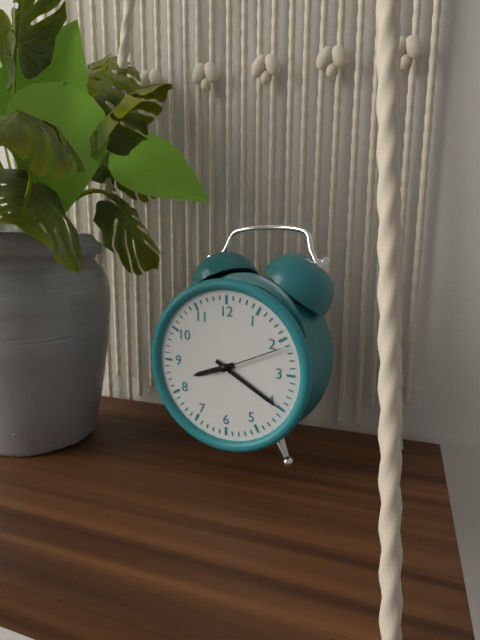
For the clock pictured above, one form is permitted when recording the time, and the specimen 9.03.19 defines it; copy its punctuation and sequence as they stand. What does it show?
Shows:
8.20.11
